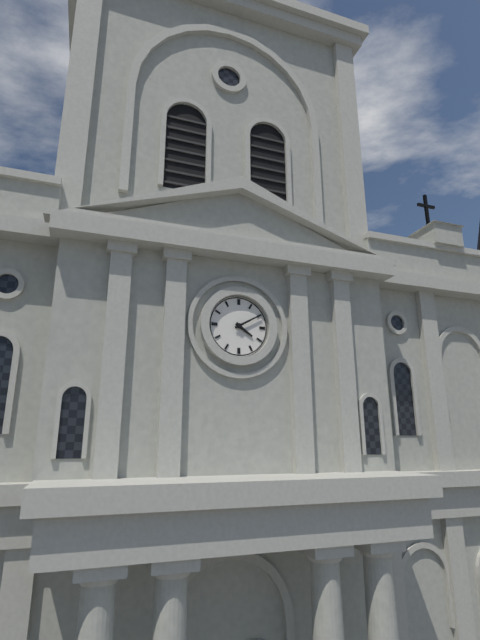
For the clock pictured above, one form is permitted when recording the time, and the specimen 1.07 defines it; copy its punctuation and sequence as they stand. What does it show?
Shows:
4.10
